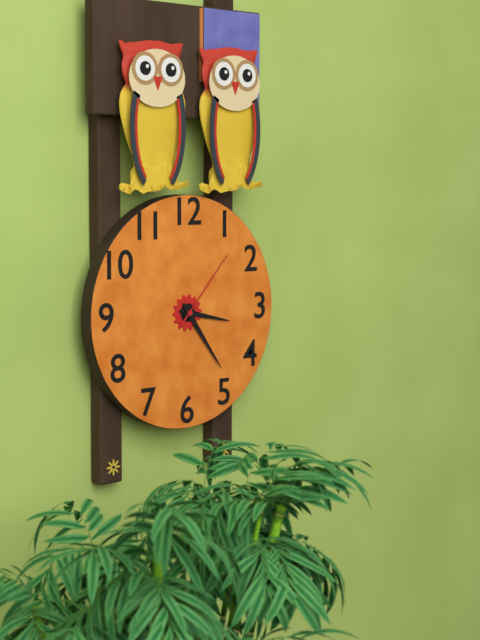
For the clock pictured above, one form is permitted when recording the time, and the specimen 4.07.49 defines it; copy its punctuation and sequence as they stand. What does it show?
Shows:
3.24.07
